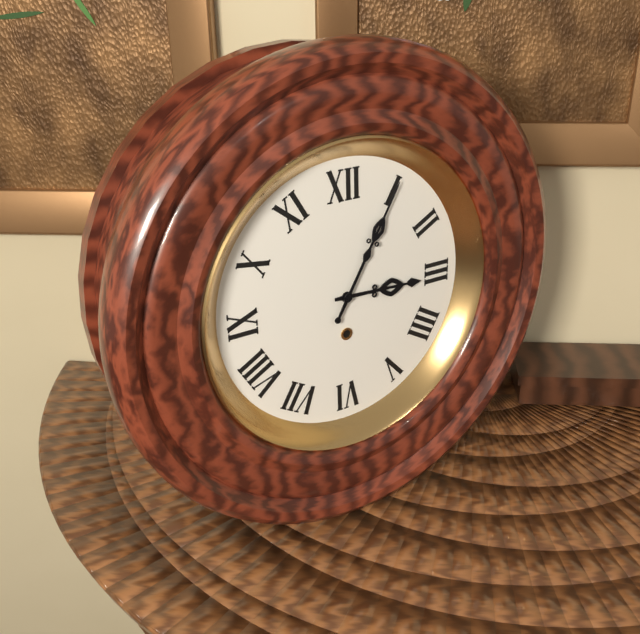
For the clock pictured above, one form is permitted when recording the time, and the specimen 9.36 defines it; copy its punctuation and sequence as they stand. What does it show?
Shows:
3.05
